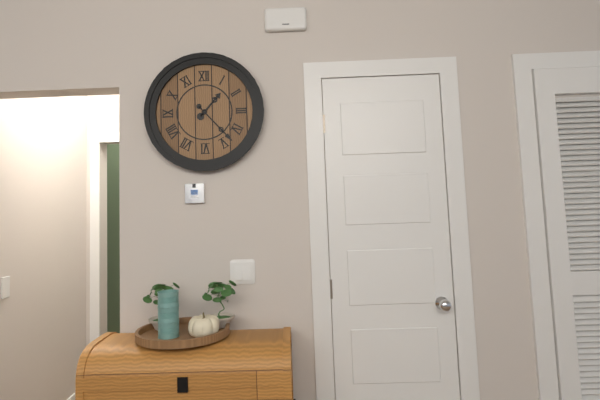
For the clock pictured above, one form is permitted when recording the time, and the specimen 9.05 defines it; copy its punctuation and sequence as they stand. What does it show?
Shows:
1.23
